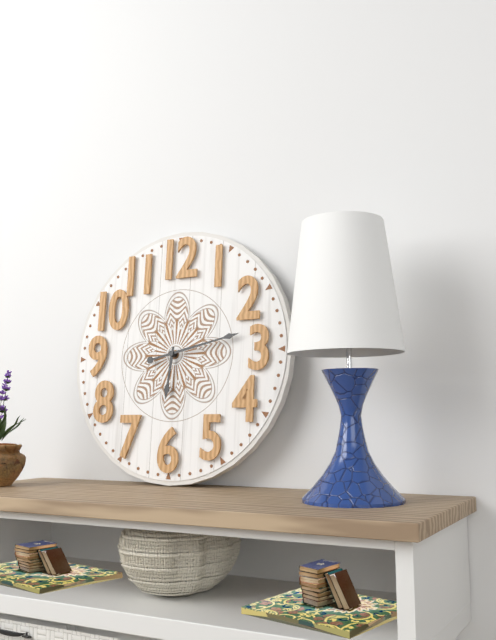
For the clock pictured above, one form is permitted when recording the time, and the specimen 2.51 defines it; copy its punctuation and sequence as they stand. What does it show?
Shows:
6.13
